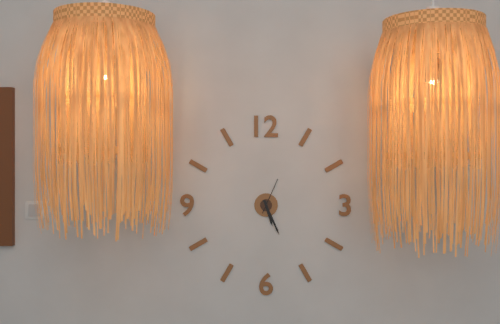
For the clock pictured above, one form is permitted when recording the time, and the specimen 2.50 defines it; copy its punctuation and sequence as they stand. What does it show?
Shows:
5.26
